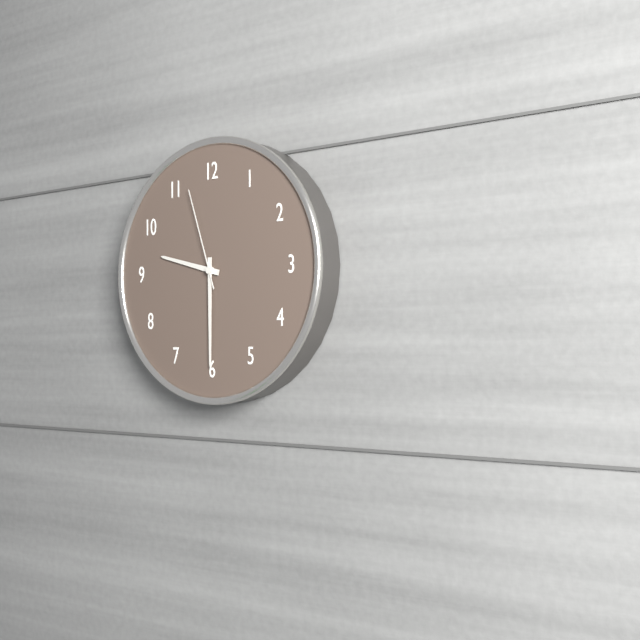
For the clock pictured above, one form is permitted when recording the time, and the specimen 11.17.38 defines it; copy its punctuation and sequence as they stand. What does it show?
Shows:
9.30.57
